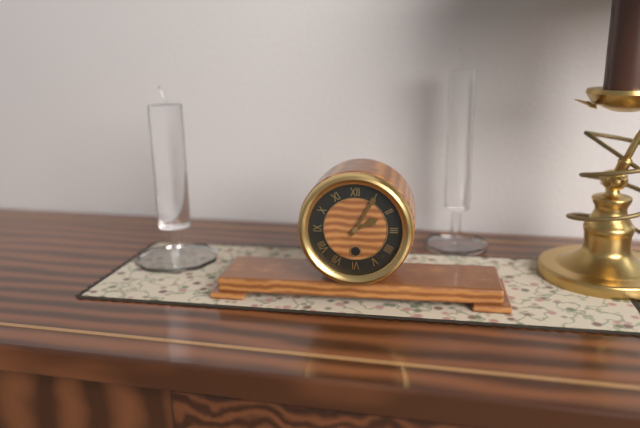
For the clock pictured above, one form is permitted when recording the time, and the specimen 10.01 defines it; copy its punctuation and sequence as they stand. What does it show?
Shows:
2.05
